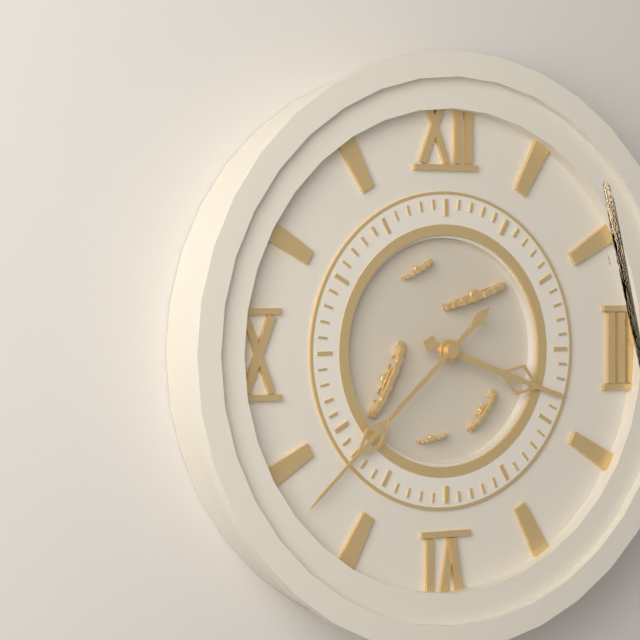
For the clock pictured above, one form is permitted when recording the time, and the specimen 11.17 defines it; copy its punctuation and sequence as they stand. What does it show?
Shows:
3.38
